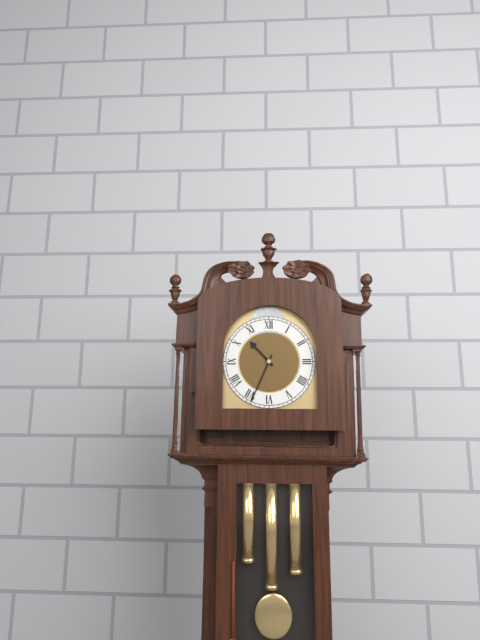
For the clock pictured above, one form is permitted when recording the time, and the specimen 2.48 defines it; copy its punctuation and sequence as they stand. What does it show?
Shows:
10.34
